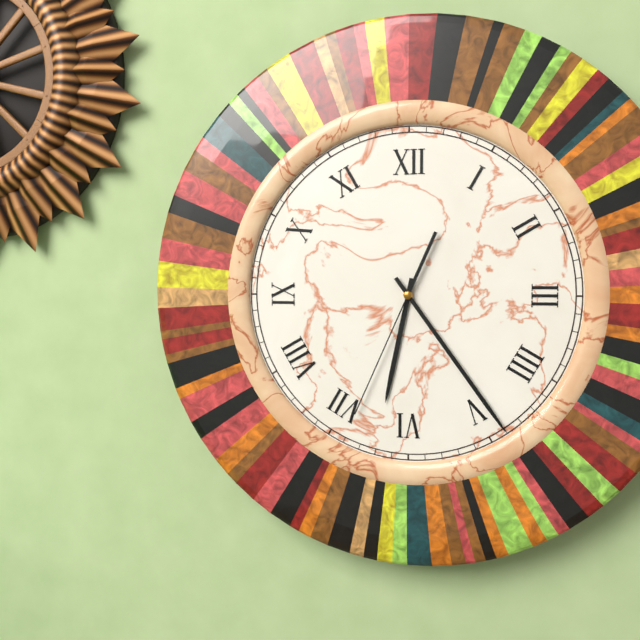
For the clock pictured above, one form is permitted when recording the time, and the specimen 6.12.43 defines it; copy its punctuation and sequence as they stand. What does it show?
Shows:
6.24.34
